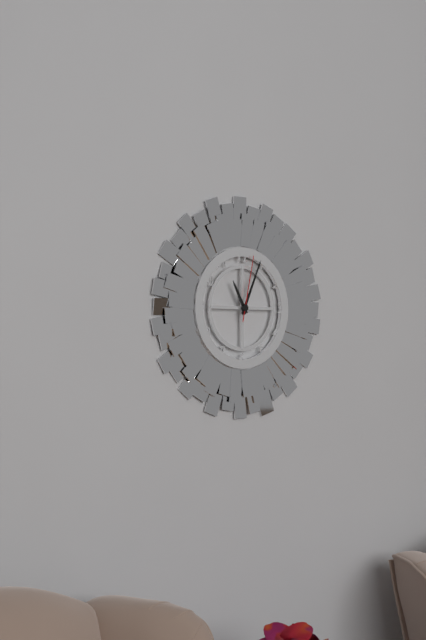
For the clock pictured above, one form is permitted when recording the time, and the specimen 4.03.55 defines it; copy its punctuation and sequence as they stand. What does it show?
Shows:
11.04.02
